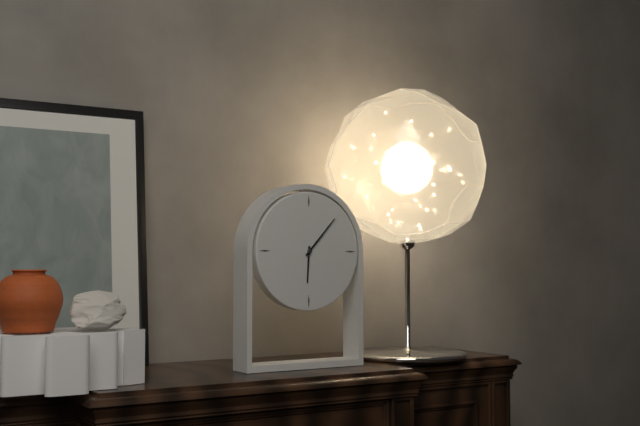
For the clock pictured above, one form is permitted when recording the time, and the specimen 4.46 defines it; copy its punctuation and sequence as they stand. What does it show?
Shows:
6.07
